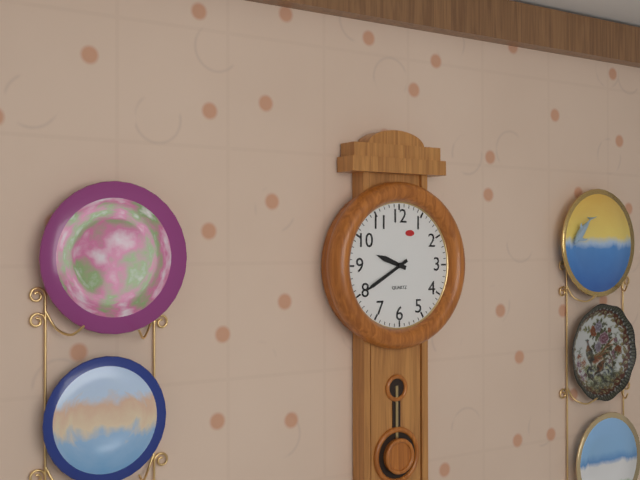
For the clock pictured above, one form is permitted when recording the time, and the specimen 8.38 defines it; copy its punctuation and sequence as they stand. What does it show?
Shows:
9.40
